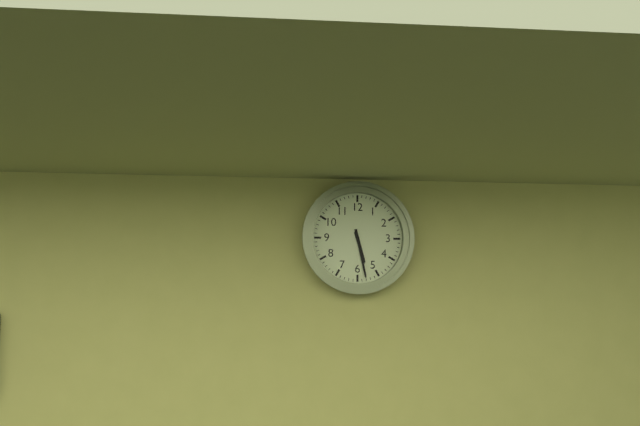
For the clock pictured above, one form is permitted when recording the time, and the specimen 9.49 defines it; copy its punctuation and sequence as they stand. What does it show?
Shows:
5.28
